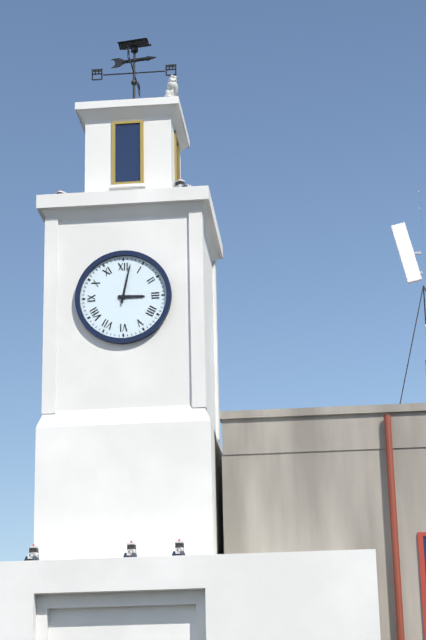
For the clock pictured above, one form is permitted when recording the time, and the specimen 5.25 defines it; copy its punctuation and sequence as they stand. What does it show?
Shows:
3.02
